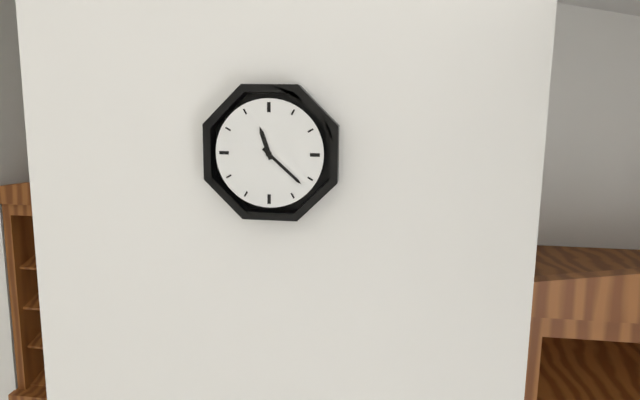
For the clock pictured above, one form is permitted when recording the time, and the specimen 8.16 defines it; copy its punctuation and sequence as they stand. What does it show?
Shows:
11.22
